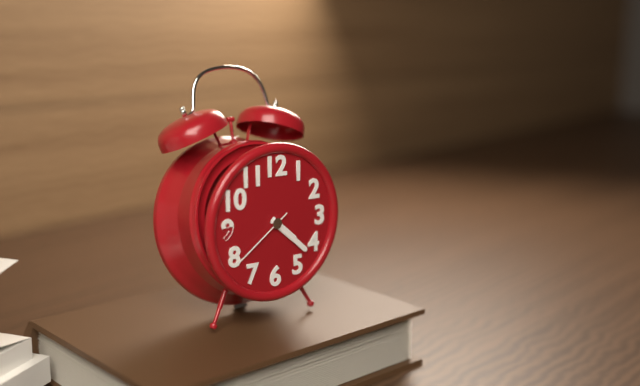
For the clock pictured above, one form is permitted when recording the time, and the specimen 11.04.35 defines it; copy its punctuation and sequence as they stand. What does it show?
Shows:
4.22.39
